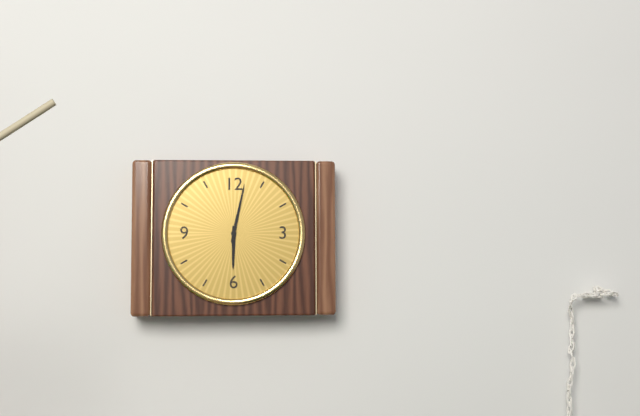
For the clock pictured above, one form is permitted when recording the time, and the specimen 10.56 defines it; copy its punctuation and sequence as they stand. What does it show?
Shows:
6.02
